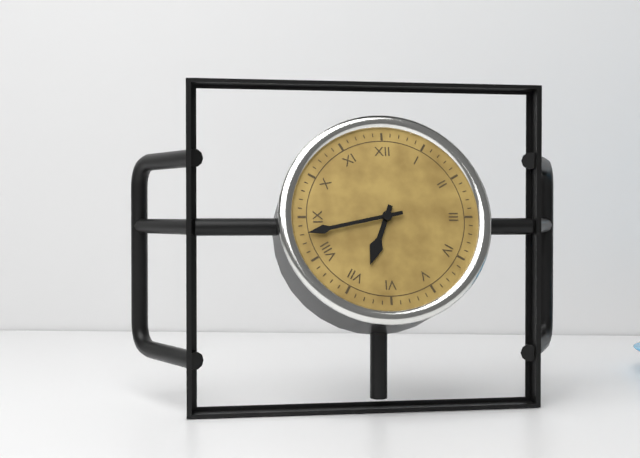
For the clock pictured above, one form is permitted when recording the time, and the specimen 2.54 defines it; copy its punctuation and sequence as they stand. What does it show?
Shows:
6.43
